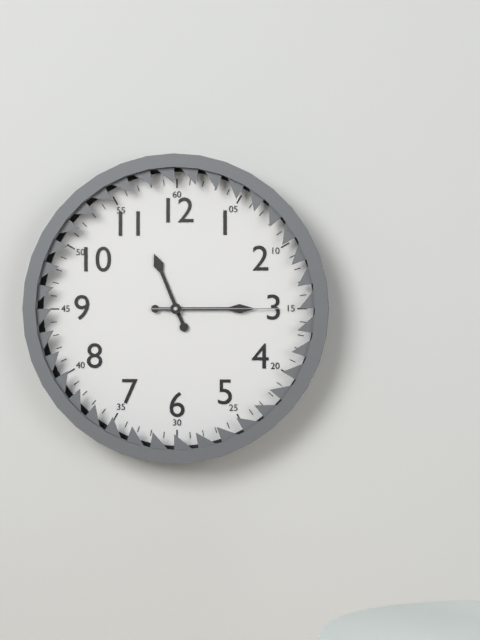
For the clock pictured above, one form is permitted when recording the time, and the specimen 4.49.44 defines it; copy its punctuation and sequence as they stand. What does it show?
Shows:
11.15.15
